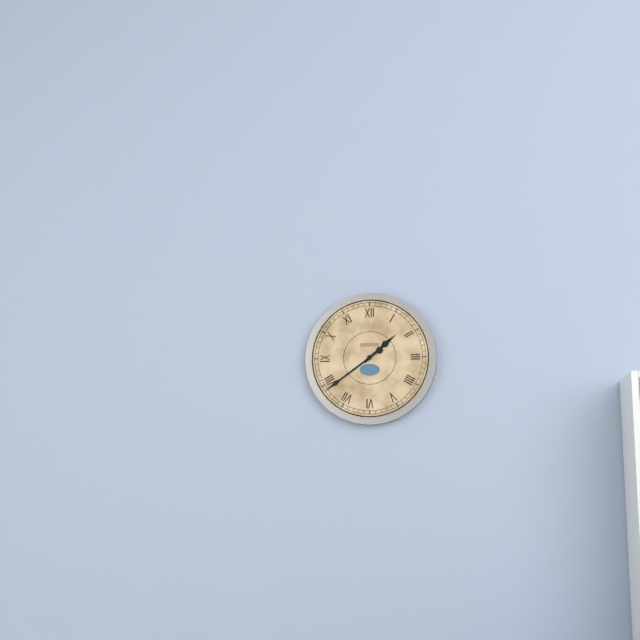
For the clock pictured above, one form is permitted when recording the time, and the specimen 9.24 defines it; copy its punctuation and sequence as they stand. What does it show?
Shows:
1.39
